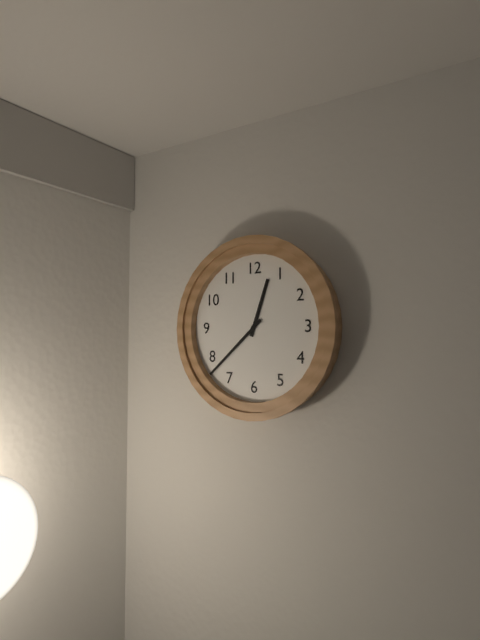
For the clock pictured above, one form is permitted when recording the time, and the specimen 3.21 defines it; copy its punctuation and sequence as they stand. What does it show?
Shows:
12.38
